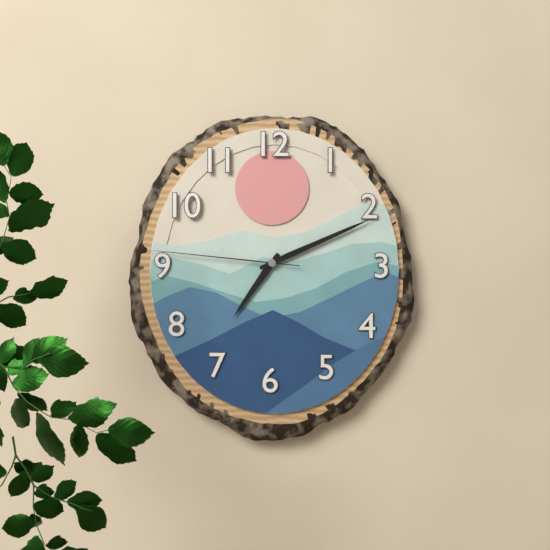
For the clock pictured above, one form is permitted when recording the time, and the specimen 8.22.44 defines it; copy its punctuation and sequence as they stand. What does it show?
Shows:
7.11.46
